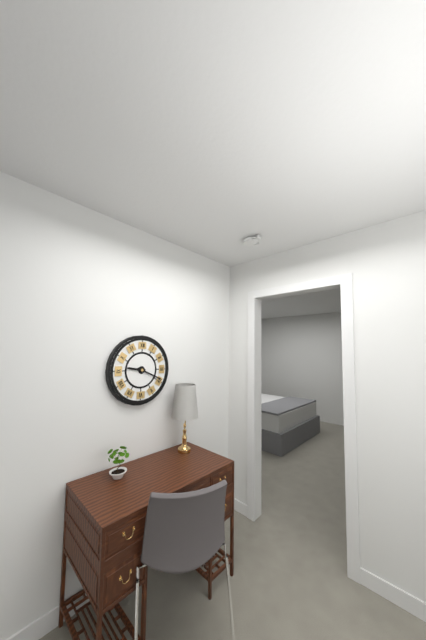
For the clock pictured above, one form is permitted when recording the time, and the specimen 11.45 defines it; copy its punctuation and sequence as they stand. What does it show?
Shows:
9.19
